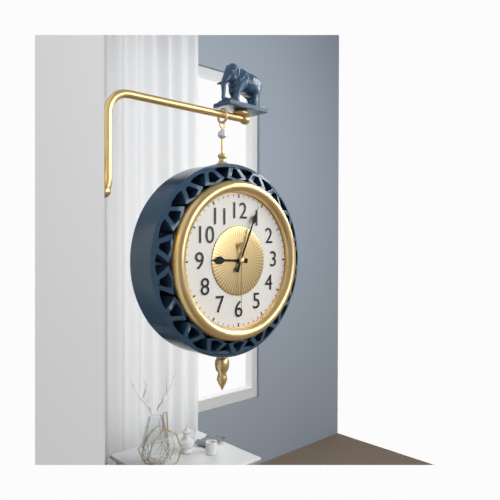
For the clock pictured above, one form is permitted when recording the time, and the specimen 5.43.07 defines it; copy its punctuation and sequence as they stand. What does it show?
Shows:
9.04.30
